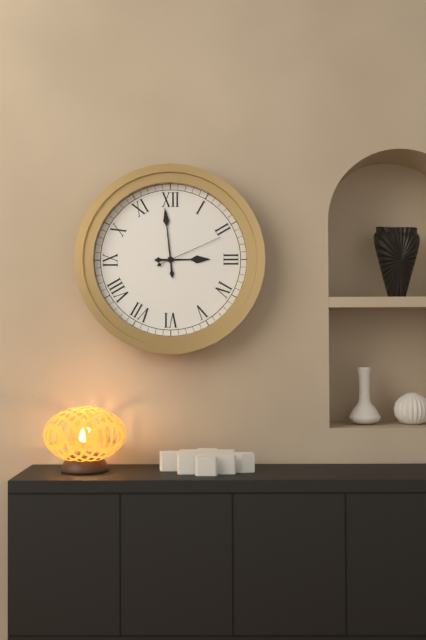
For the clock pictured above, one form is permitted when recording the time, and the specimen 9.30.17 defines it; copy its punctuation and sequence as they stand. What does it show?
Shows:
2.59.11
